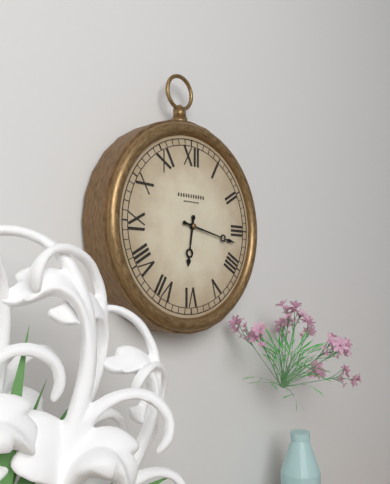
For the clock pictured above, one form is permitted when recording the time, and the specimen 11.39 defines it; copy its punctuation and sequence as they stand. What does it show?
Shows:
6.17
